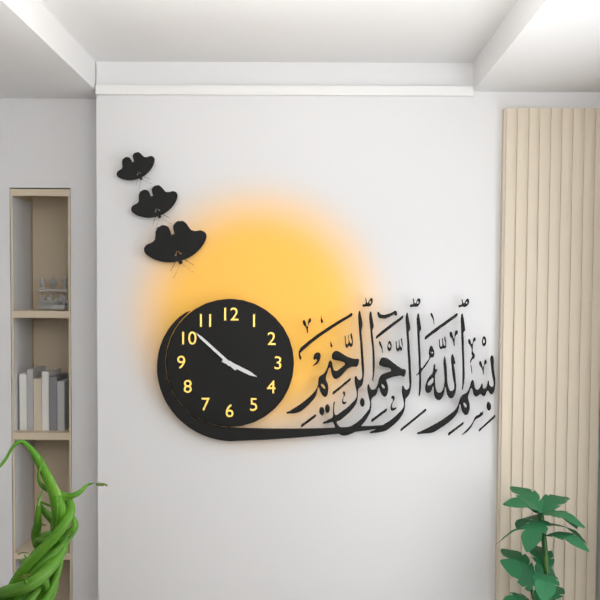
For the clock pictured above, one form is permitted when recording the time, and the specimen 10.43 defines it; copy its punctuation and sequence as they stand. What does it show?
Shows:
3.52
